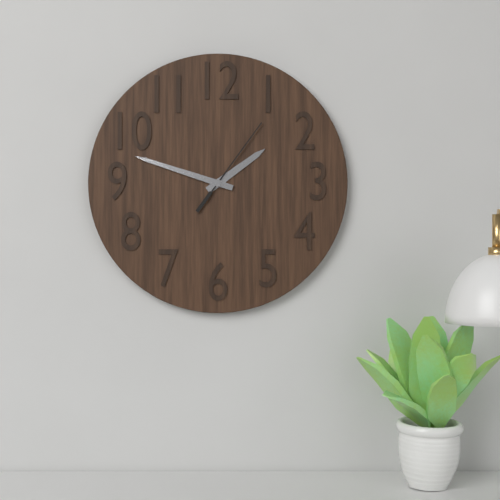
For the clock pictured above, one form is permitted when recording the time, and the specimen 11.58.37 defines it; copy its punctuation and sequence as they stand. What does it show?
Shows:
1.48.06
